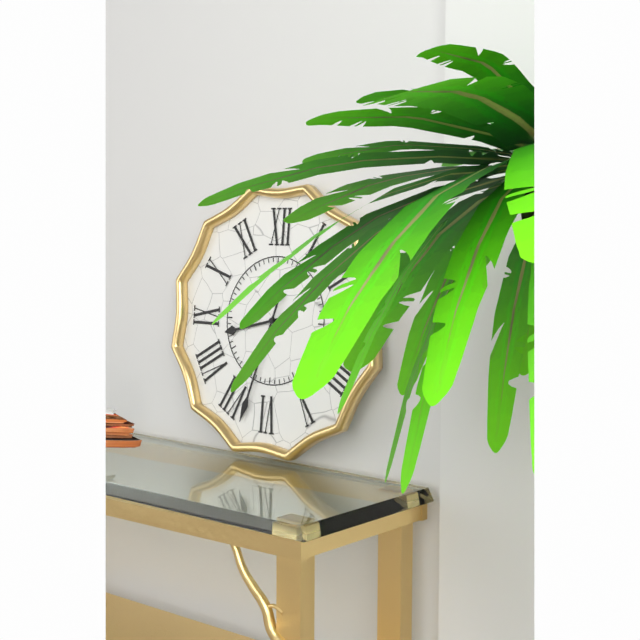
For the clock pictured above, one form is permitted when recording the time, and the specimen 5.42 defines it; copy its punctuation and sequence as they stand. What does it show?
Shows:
8.33
